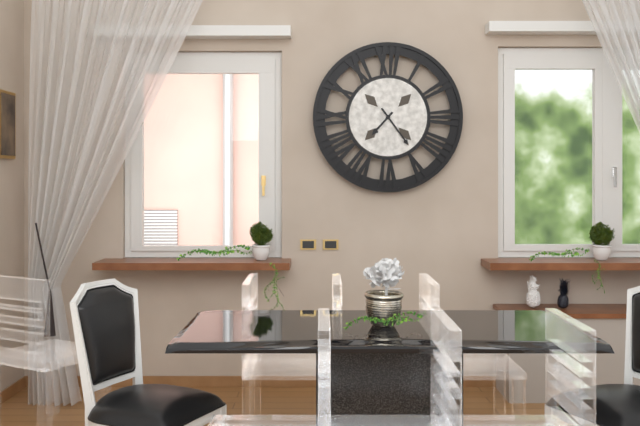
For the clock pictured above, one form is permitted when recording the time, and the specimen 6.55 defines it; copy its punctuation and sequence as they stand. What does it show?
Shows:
7.24
